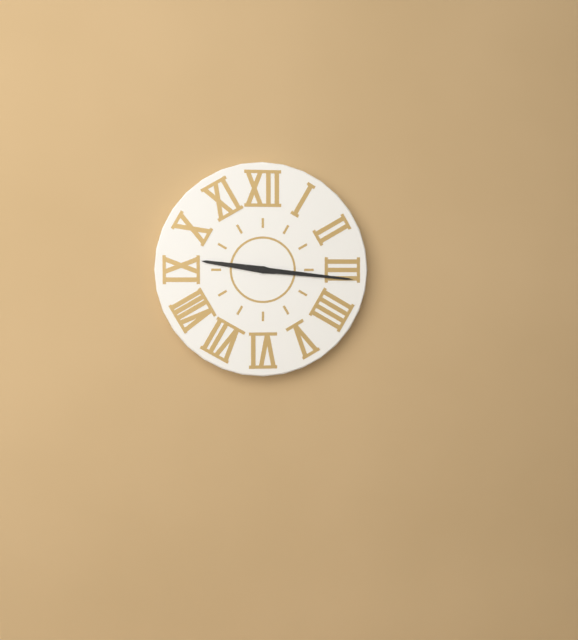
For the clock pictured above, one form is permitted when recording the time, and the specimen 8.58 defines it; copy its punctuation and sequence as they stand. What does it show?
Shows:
9.16
